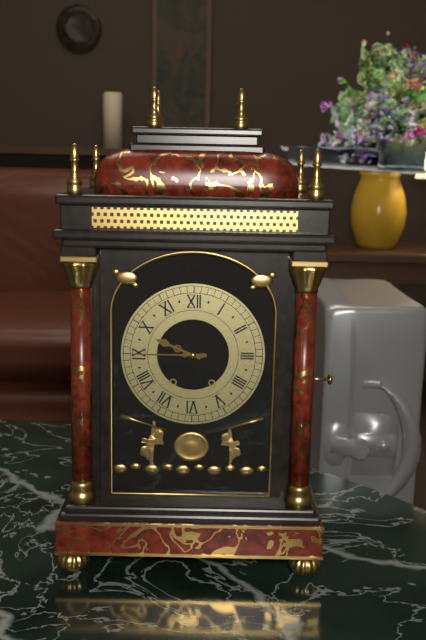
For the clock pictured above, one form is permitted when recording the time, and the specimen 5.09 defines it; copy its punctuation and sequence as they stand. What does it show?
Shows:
9.45
